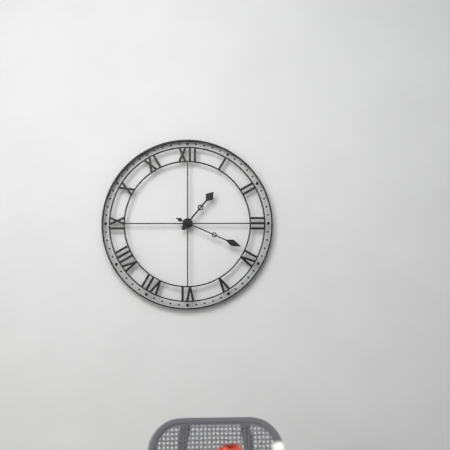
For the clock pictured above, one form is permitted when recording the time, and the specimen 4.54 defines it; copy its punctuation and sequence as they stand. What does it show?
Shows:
1.19
